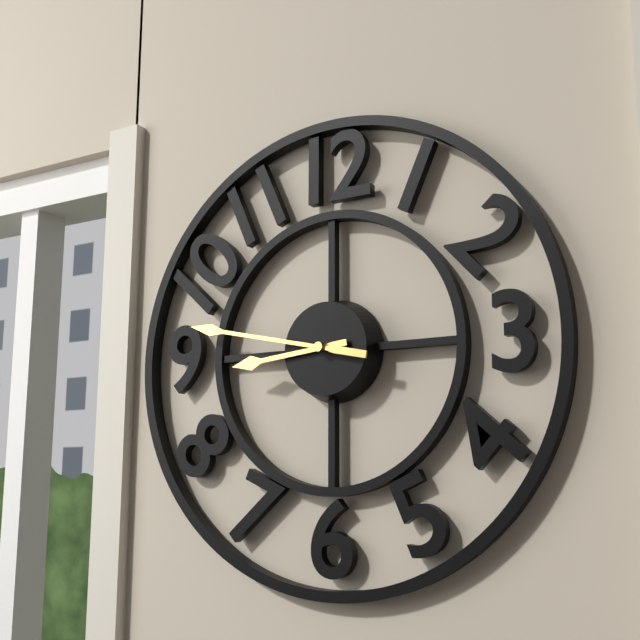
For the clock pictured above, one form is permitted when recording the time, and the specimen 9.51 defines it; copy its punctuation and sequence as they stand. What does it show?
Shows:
8.47
